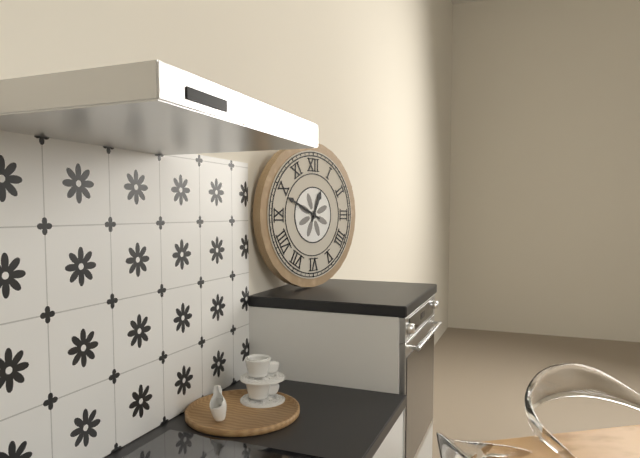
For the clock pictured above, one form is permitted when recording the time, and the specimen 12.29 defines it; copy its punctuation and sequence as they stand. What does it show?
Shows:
12.49
